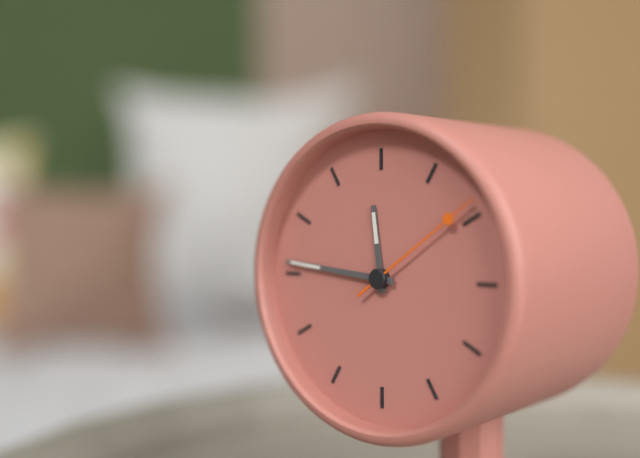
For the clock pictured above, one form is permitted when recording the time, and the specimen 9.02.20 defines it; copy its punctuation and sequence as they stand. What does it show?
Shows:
11.46.09
